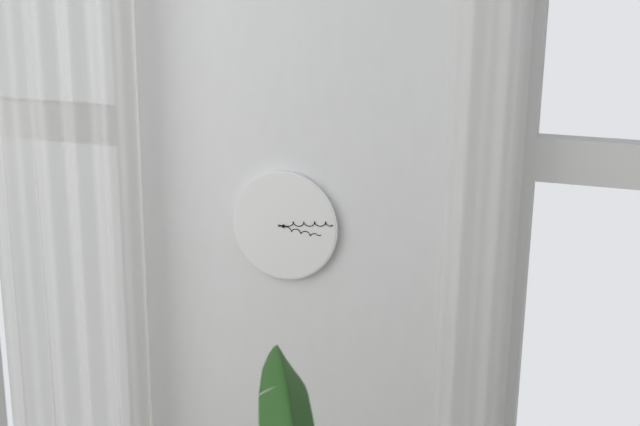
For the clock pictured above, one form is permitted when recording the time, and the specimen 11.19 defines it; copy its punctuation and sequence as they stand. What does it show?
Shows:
3.14
